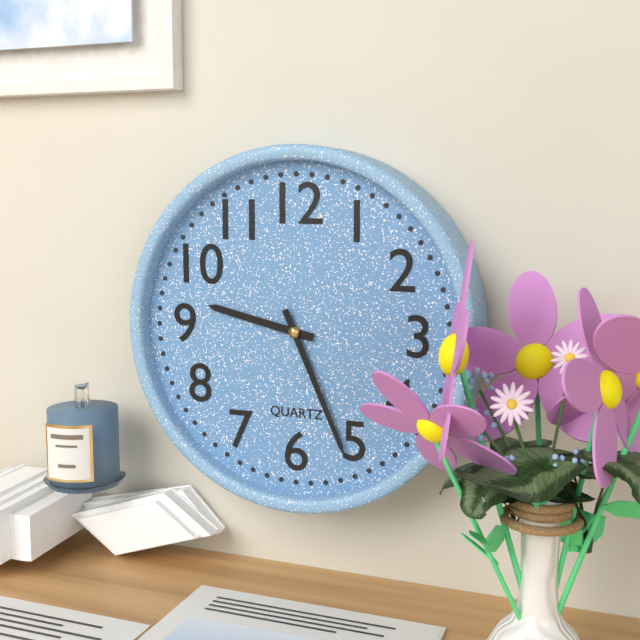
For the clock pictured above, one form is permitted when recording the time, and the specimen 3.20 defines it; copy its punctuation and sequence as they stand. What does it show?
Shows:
9.26
